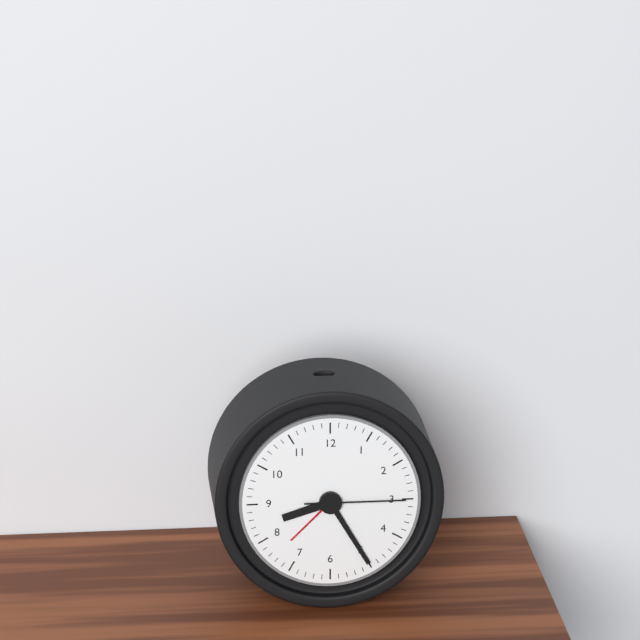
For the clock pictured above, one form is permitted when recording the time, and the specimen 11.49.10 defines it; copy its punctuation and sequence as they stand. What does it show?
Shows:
8.25.15
